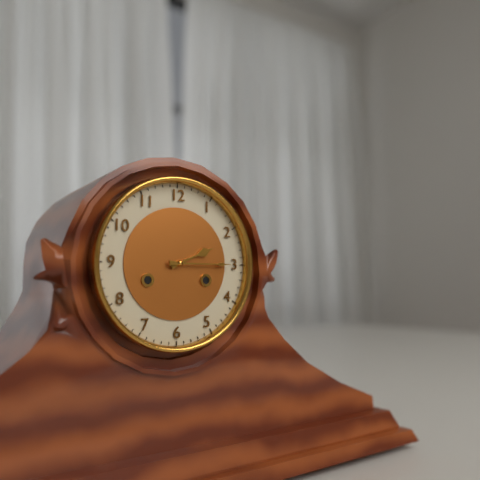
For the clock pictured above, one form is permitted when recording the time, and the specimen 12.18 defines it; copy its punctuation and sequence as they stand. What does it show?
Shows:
2.15
